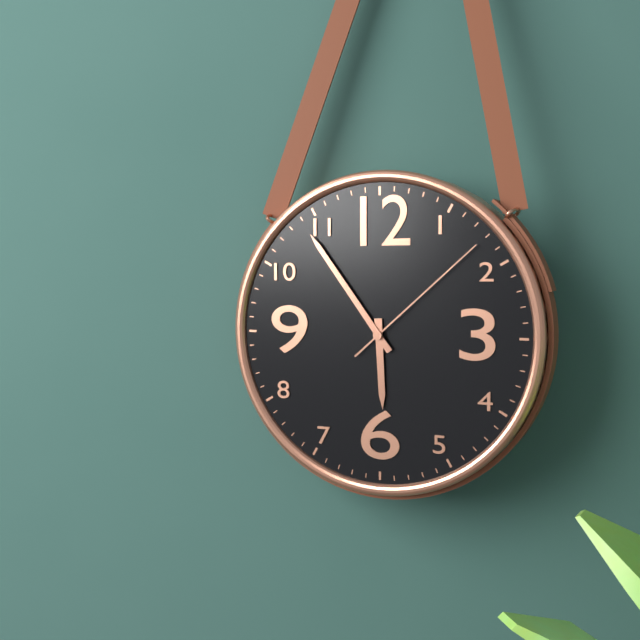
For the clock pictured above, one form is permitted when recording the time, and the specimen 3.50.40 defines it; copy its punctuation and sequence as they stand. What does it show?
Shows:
5.54.08
